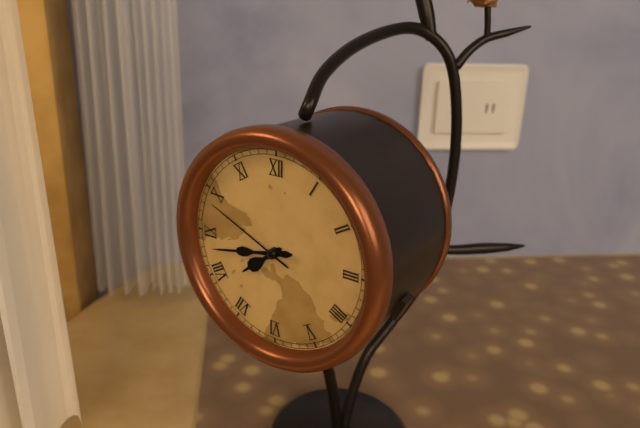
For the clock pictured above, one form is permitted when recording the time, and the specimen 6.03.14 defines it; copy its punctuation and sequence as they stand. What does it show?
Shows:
7.43.49
